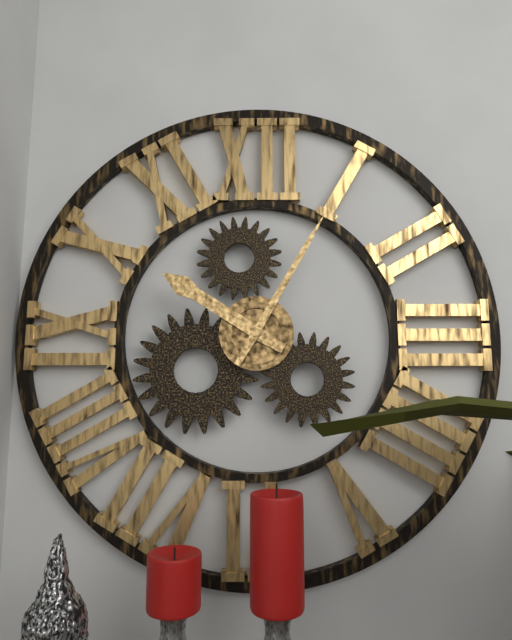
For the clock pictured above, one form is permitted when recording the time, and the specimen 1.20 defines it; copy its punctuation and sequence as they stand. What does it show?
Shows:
10.05
